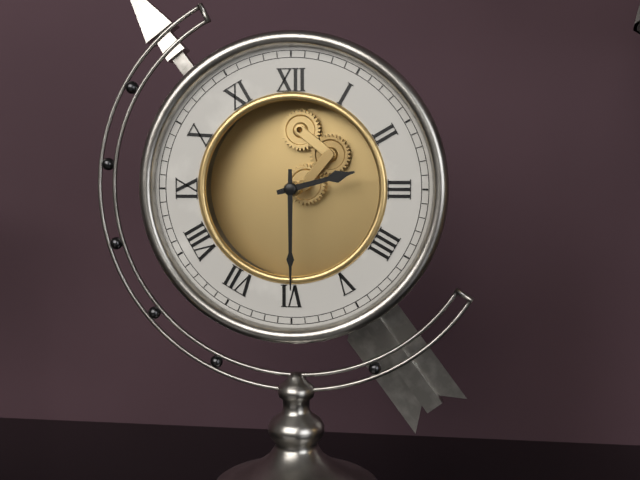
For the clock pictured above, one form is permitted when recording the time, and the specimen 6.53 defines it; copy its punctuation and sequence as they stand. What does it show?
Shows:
2.30
